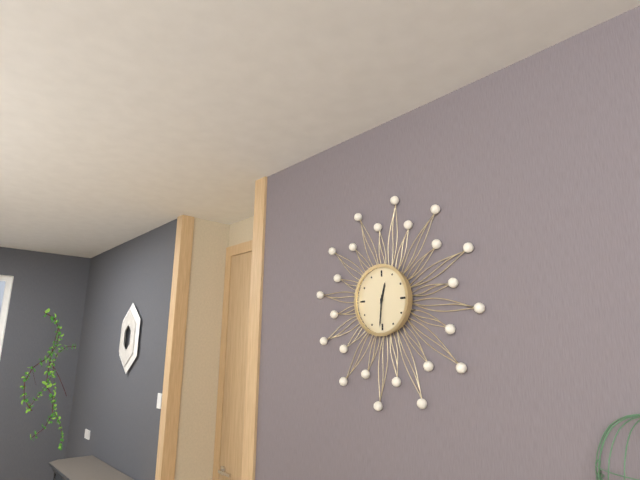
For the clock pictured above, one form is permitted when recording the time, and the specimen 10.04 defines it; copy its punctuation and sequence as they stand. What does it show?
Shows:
12.31
